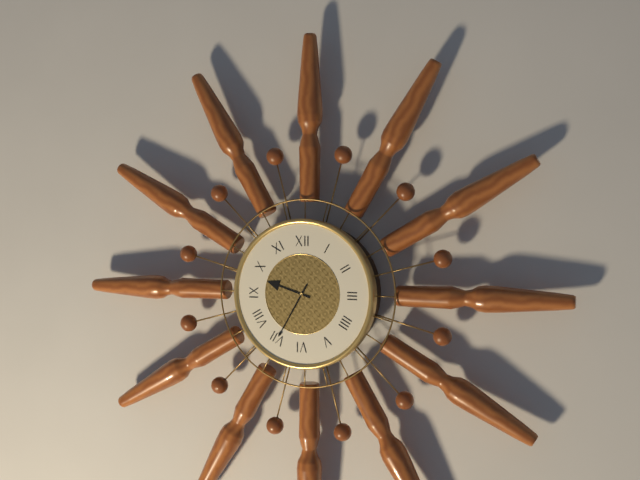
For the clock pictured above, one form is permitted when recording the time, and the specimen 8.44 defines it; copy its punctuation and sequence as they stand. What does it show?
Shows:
9.35
